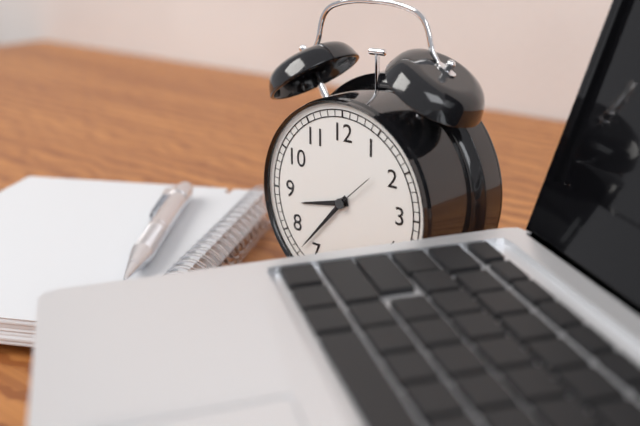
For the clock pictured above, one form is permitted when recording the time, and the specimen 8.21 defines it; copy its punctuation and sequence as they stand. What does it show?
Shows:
8.37
